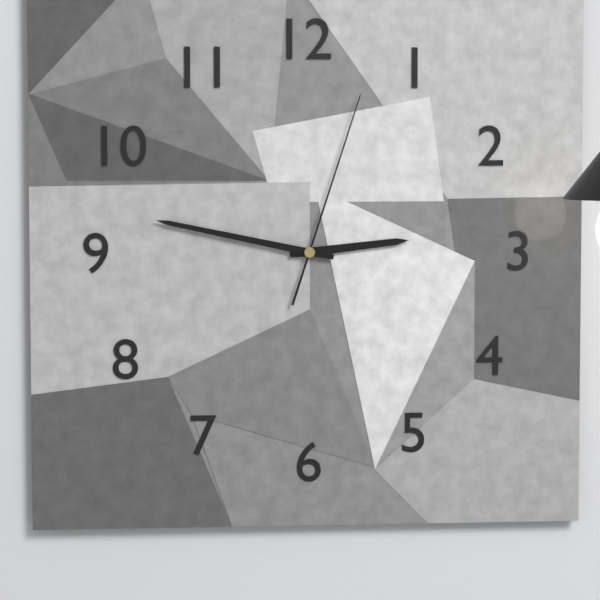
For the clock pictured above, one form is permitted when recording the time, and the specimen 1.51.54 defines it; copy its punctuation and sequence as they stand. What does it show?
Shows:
2.47.03
